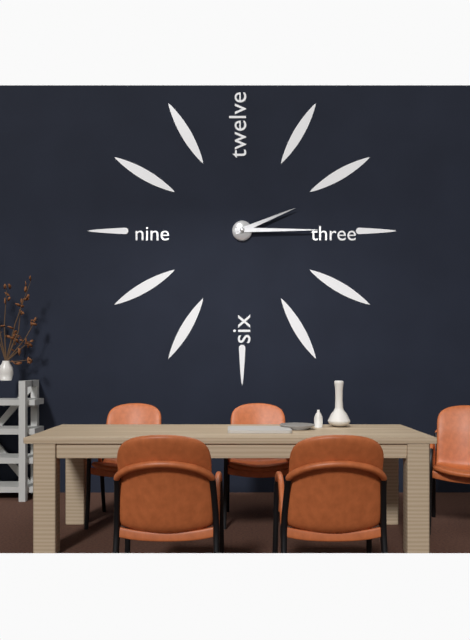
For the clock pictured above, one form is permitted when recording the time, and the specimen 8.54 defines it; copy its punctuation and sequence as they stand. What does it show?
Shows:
2.15
